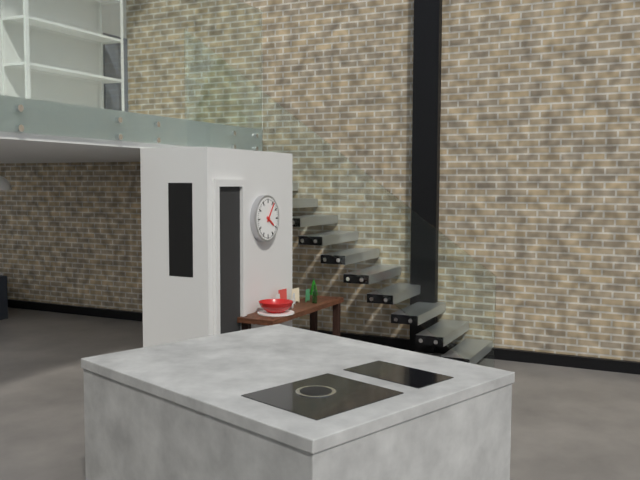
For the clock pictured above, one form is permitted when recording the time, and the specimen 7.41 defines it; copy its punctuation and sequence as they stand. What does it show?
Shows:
4.06
